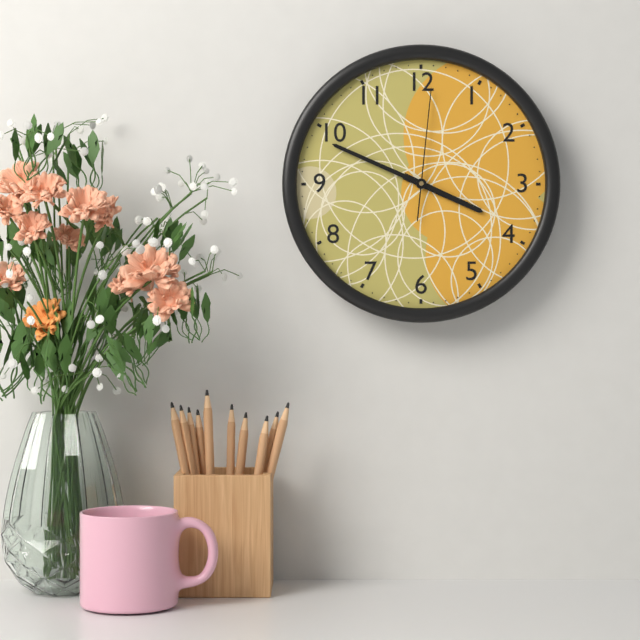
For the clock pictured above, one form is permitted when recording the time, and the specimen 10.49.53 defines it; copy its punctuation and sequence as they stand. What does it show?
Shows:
3.49.01
